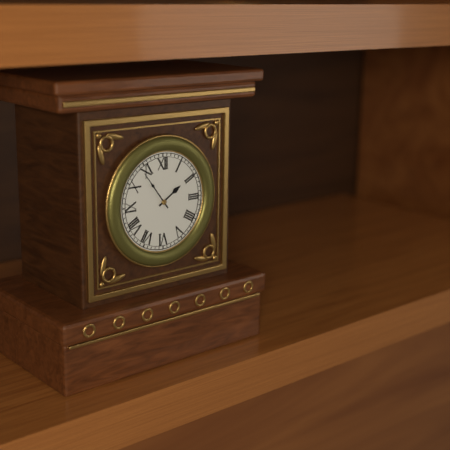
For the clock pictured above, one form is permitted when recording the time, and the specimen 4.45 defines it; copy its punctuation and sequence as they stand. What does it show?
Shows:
1.54
